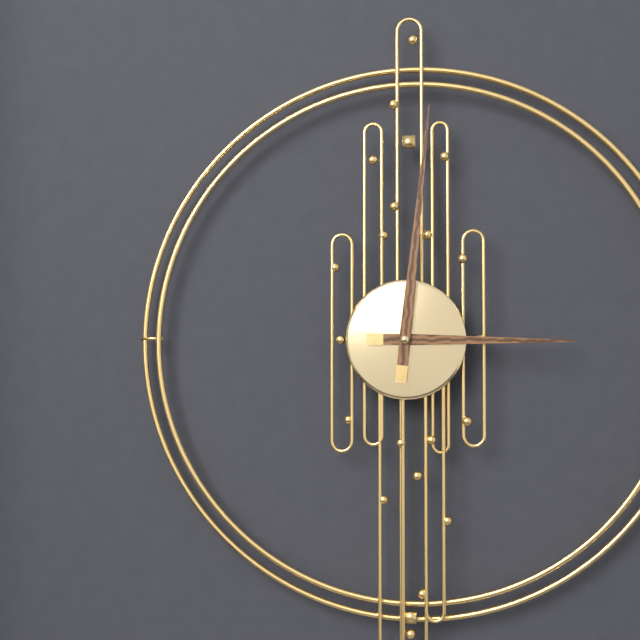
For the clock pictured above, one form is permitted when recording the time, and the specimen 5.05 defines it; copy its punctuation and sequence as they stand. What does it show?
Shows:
3.01
